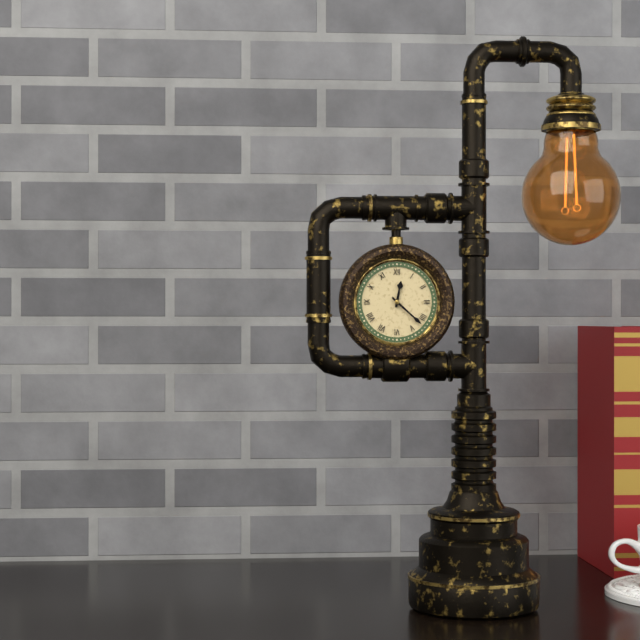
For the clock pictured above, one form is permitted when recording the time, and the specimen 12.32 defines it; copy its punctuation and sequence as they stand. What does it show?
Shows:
12.22
